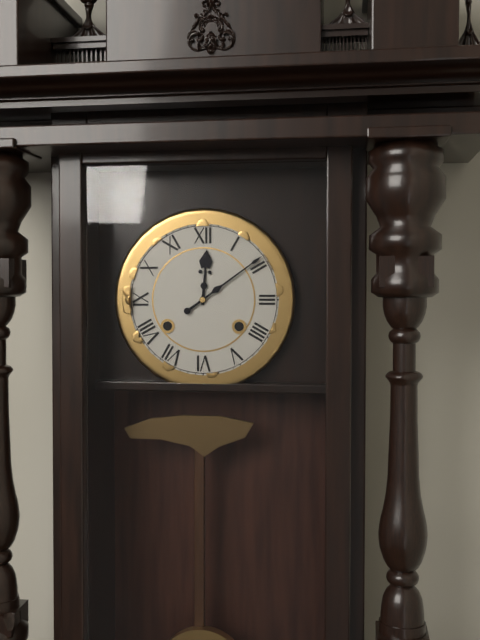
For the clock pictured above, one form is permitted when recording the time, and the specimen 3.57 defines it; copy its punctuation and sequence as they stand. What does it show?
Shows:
12.09
